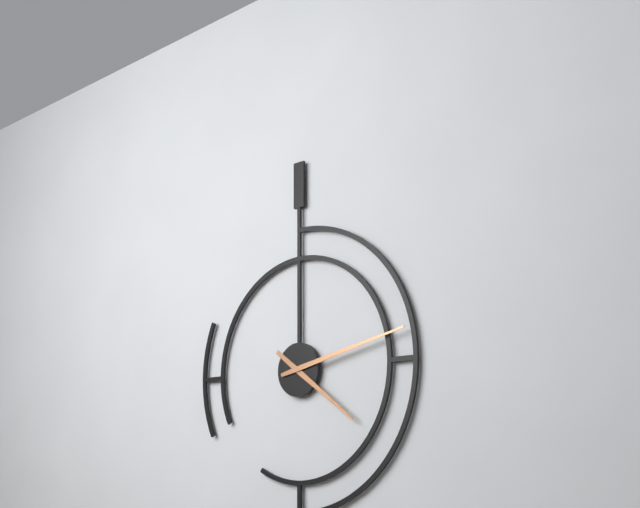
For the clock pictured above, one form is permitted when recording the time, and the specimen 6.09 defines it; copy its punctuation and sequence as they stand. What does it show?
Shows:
4.13
